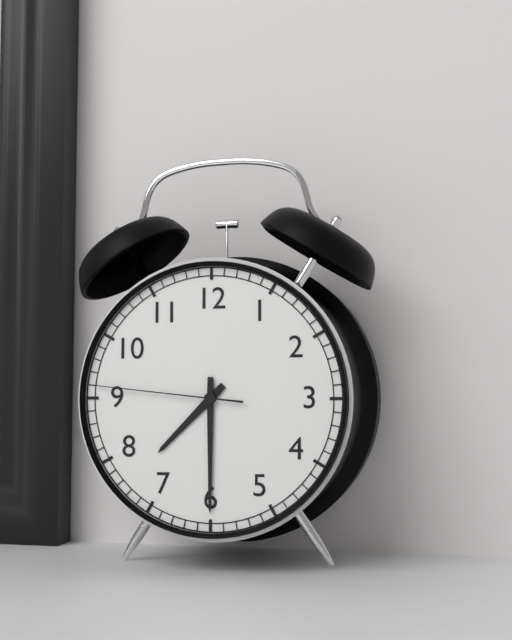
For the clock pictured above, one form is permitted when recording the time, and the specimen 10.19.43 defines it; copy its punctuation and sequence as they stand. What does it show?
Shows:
7.30.46
